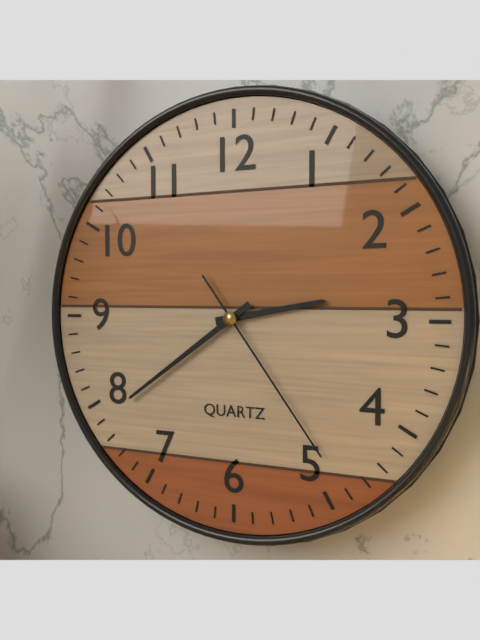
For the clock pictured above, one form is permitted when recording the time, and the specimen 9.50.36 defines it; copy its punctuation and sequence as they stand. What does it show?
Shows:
2.39.24
